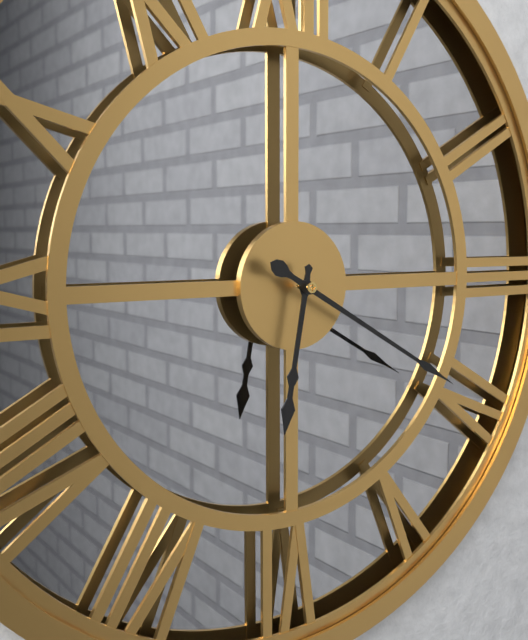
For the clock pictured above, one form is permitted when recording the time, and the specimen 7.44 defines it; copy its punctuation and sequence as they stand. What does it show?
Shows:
6.20
